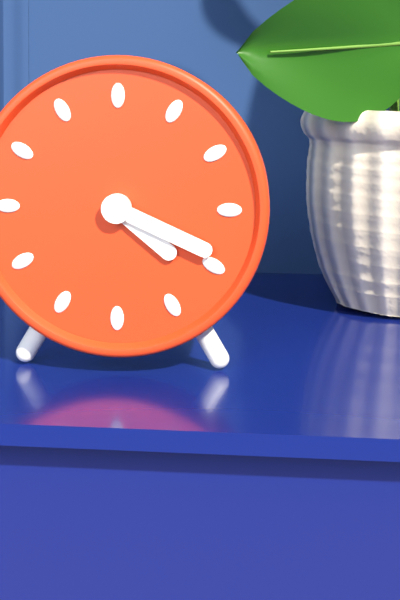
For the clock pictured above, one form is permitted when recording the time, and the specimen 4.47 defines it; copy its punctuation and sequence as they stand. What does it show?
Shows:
4.19
